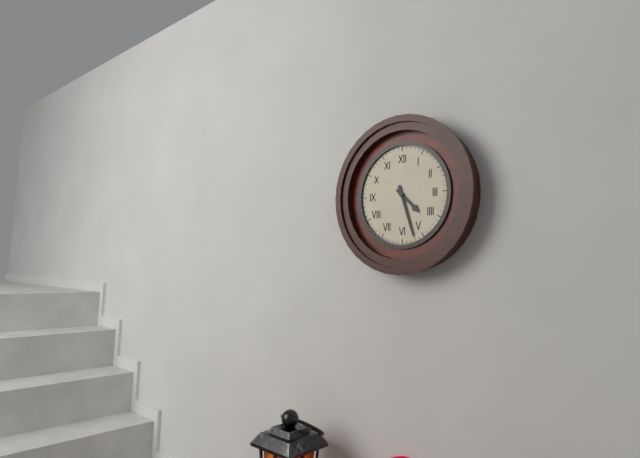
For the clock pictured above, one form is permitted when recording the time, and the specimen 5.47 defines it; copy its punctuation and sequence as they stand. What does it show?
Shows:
4.27
